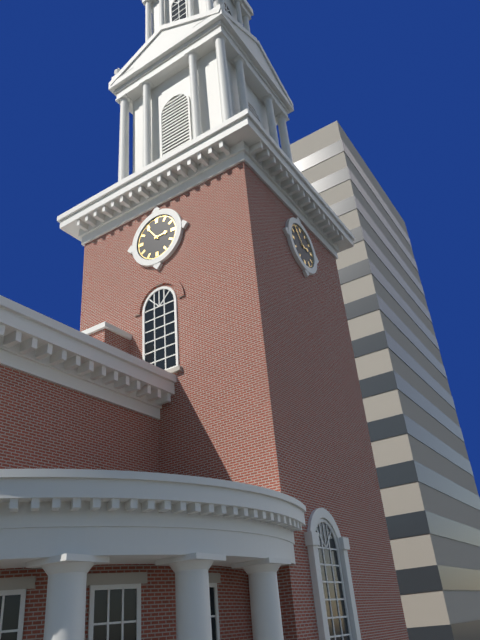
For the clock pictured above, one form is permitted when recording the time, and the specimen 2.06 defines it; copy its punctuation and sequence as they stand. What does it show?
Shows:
2.54
